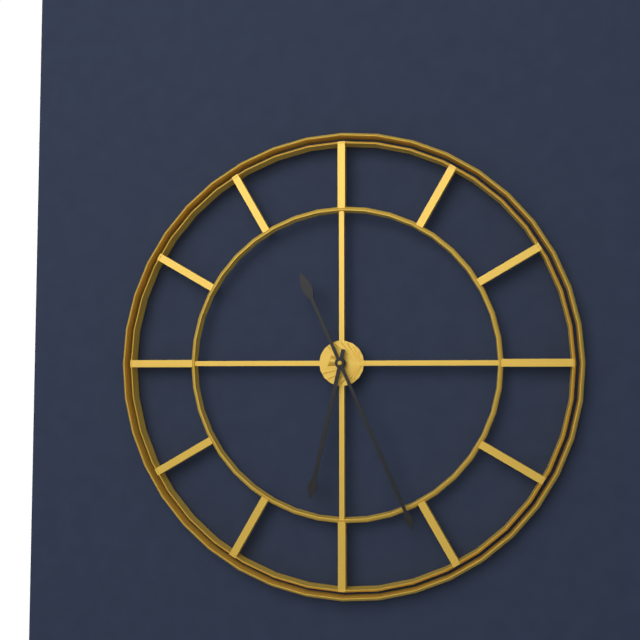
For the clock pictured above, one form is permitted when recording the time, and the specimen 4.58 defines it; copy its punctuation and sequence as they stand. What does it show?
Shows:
6.26
